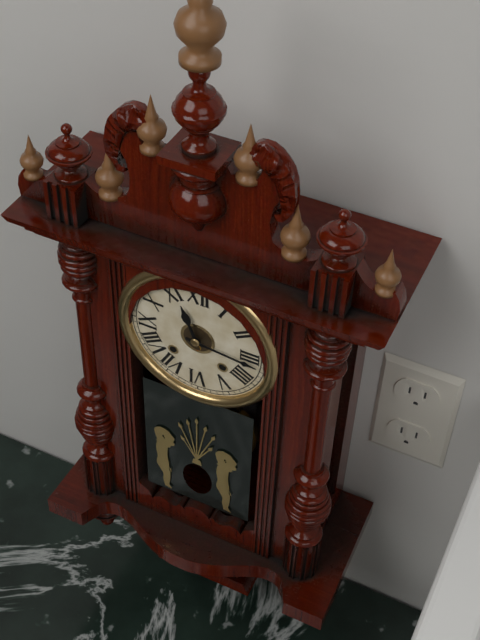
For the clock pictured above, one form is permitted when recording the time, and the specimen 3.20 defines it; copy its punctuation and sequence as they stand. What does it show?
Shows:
11.16
